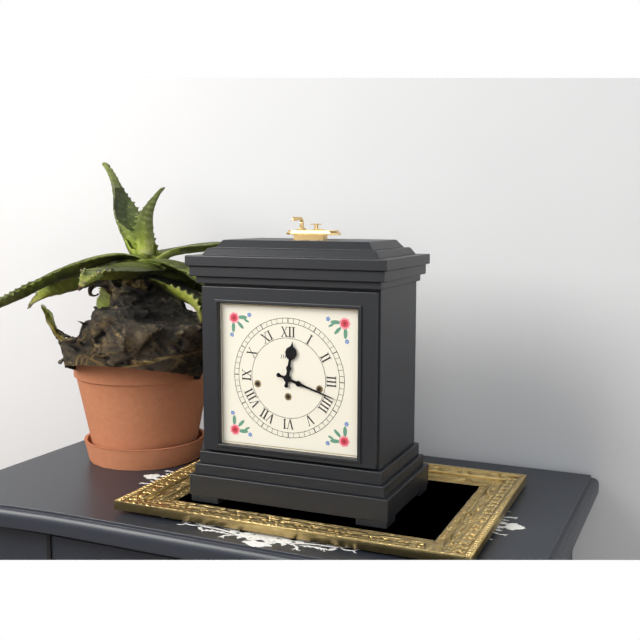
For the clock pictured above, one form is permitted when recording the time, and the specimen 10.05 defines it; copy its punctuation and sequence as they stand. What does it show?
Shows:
12.18
